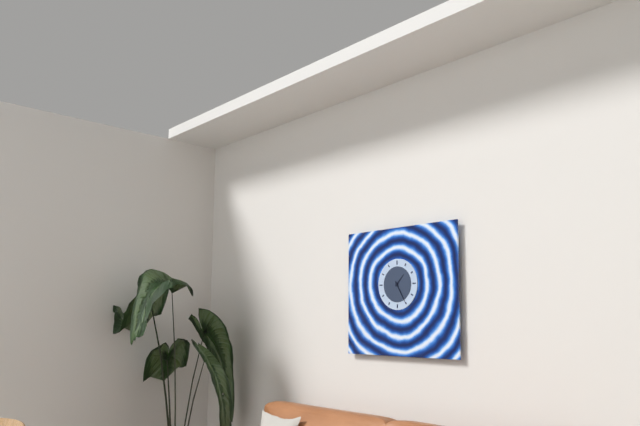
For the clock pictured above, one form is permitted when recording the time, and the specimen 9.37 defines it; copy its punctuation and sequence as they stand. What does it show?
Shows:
1.25
